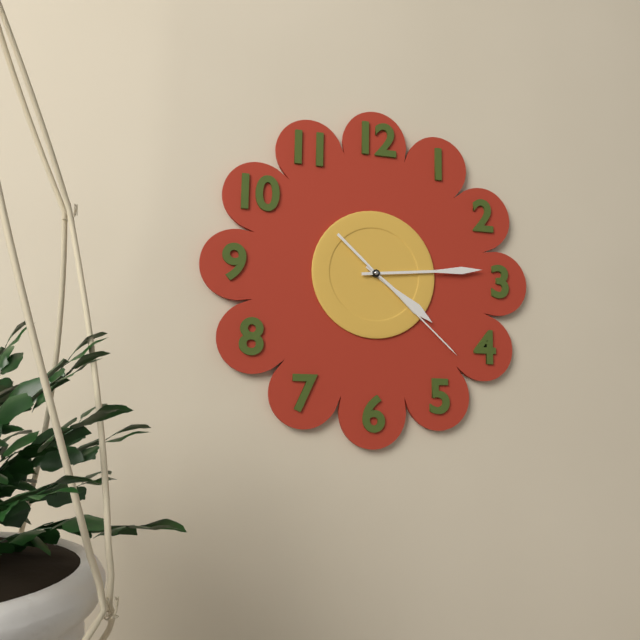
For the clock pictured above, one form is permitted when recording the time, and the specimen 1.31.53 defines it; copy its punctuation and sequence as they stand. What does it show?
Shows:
4.14.22
